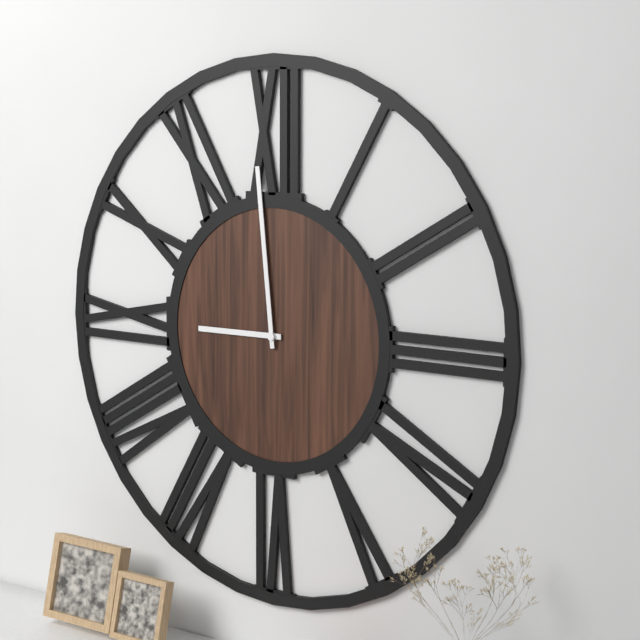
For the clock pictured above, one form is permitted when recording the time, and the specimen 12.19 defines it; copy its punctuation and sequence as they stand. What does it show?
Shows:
8.59
